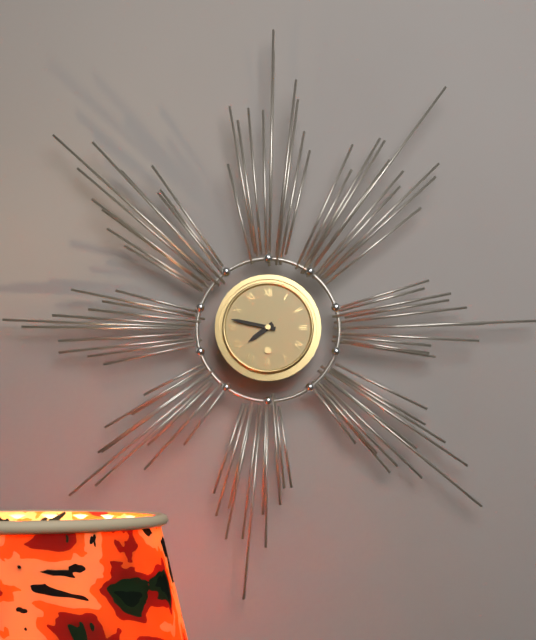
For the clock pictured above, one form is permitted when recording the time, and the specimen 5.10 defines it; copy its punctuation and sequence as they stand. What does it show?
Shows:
7.47
